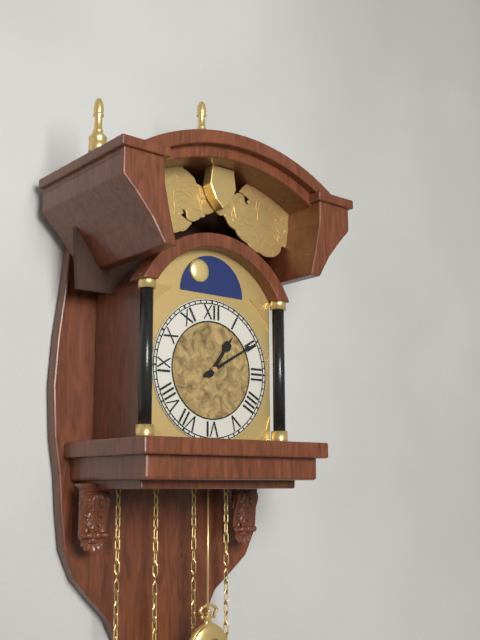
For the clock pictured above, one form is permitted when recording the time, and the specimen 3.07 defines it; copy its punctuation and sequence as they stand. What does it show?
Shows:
1.10
